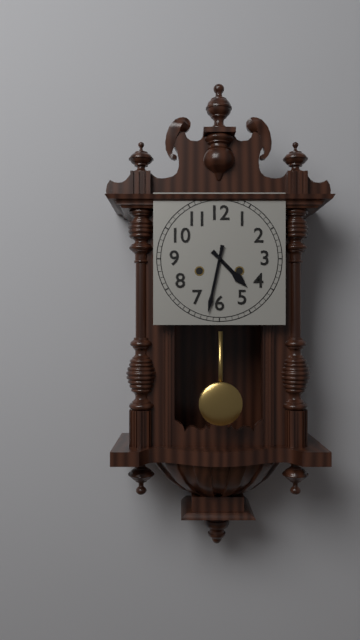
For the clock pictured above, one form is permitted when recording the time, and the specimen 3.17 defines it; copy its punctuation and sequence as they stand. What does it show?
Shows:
4.32
